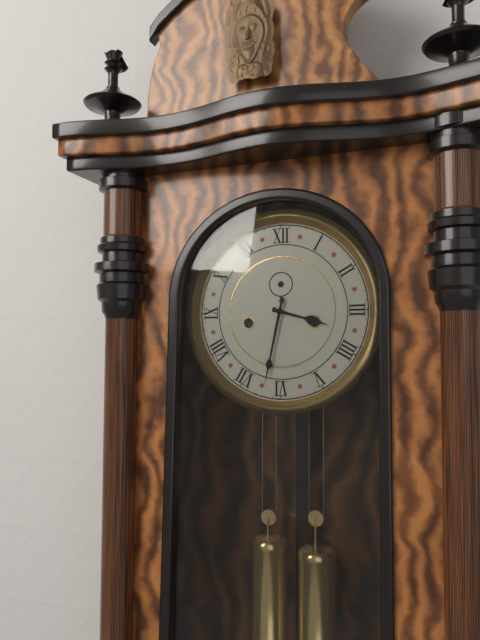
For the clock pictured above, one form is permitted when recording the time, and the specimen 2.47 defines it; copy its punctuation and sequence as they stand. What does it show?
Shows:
3.32
